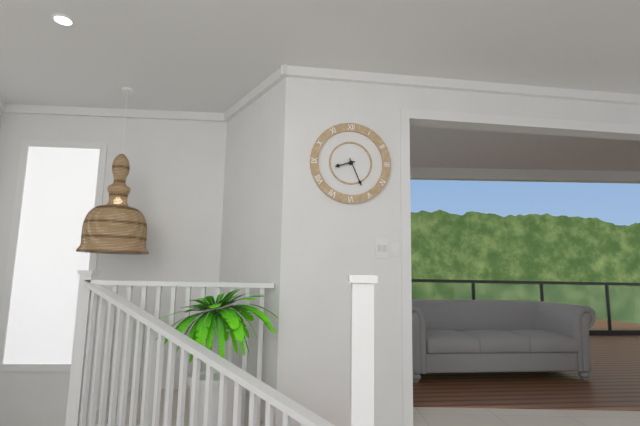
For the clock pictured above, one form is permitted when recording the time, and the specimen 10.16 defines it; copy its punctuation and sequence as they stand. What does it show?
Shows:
8.26
